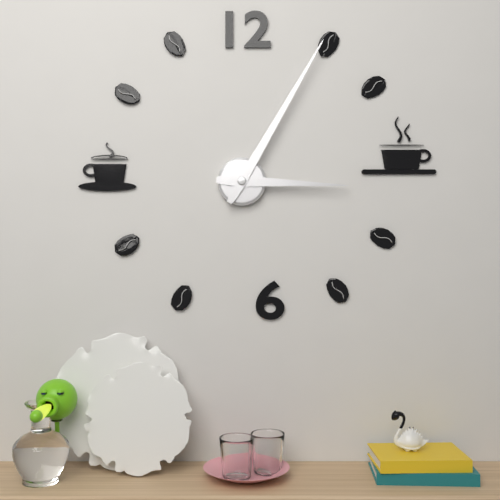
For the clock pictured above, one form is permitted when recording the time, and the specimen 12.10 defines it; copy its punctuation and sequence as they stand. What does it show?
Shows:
3.05
